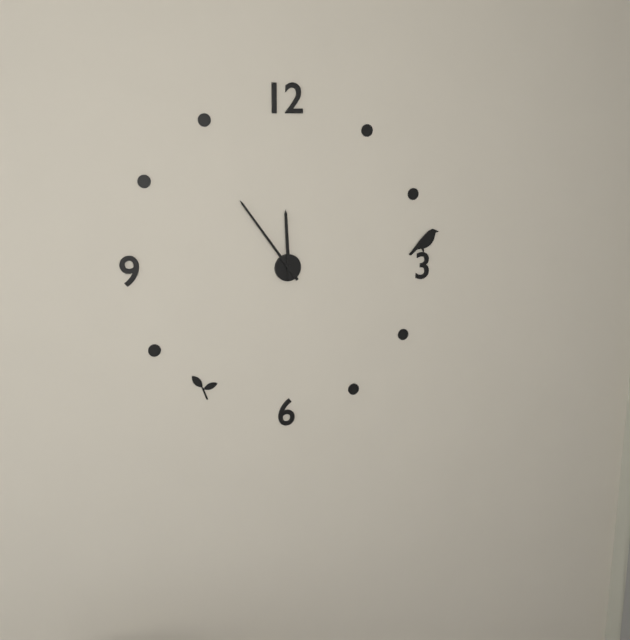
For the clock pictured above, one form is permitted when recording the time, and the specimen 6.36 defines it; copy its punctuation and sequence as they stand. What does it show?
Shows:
11.54
